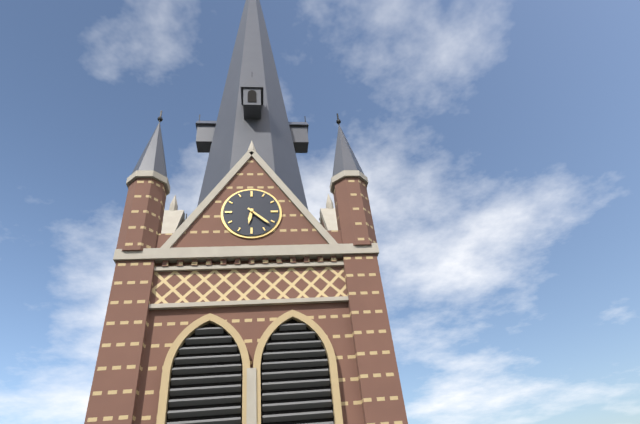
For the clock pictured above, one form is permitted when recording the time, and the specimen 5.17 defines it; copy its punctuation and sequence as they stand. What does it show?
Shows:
6.22
